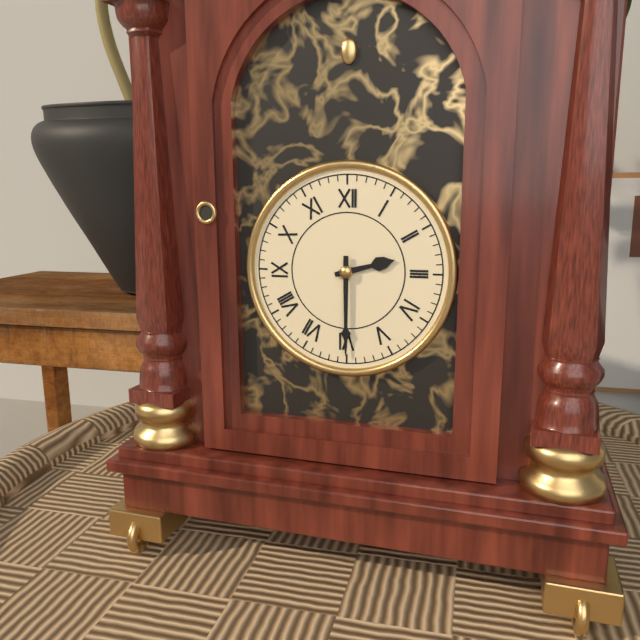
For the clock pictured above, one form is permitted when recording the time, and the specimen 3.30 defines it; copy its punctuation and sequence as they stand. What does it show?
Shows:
2.30
